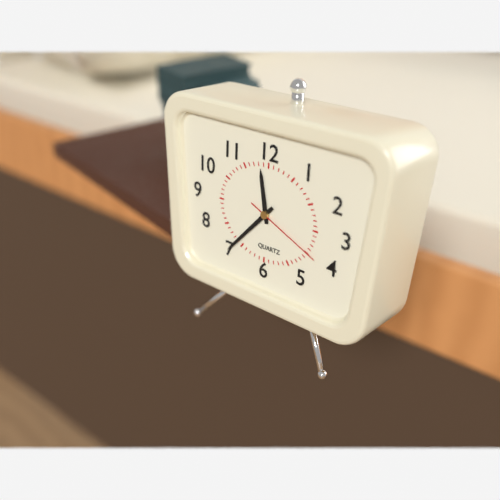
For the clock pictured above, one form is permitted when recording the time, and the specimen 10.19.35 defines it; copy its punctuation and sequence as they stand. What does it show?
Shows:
11.37.19
